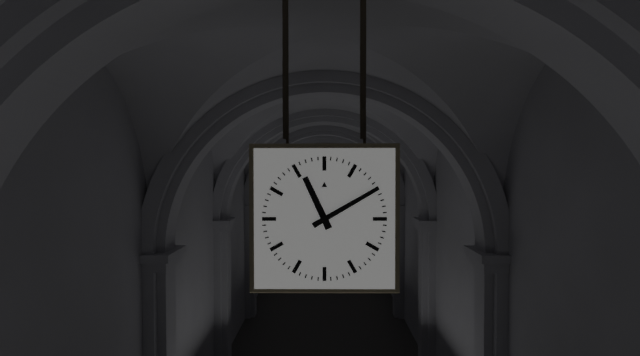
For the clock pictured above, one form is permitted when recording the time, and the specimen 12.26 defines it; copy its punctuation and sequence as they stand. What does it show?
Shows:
11.10
